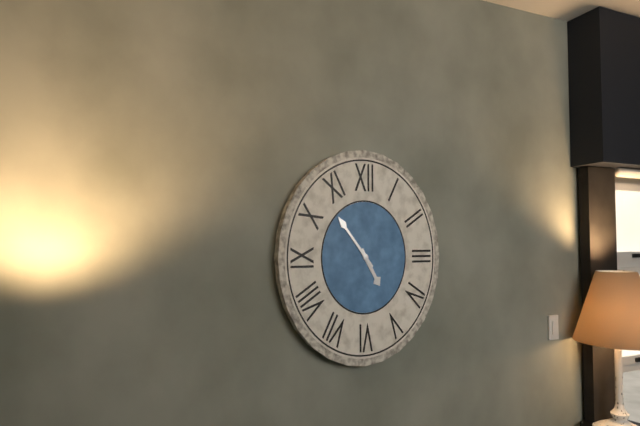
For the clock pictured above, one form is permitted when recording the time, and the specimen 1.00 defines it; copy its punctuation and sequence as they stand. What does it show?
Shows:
4.53
